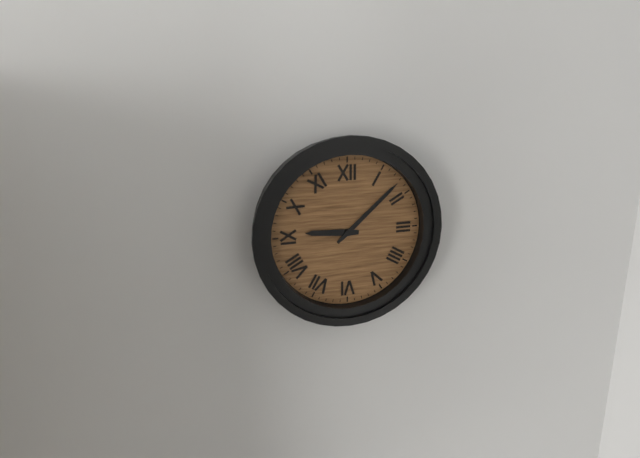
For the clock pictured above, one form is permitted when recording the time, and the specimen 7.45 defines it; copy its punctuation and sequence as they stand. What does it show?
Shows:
9.08
